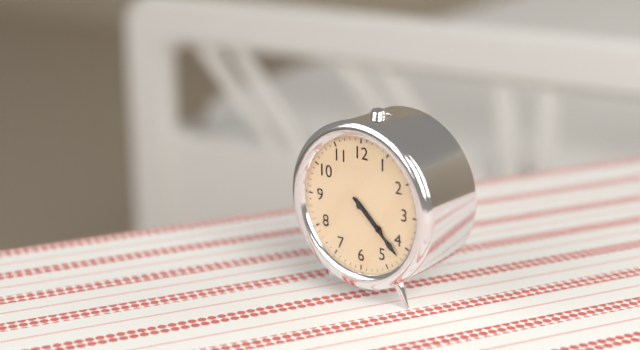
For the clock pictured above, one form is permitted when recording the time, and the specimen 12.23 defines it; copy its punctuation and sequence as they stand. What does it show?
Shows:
4.22
